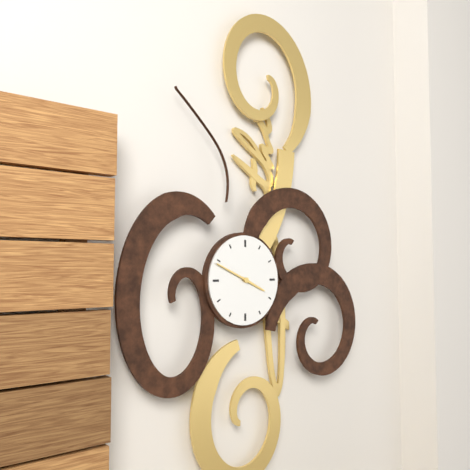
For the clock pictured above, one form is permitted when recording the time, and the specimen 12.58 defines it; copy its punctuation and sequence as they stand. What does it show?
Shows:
3.49
